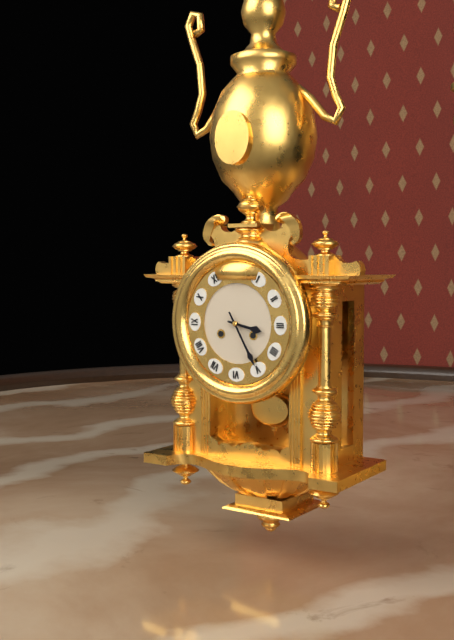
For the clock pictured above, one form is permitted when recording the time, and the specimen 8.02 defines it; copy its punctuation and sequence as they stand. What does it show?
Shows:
3.25
